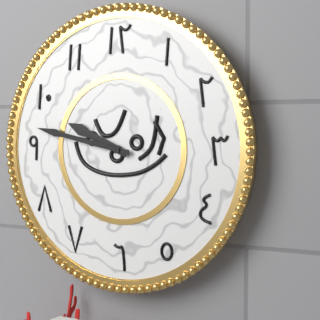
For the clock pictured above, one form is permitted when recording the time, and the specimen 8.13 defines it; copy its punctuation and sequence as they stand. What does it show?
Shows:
9.47
